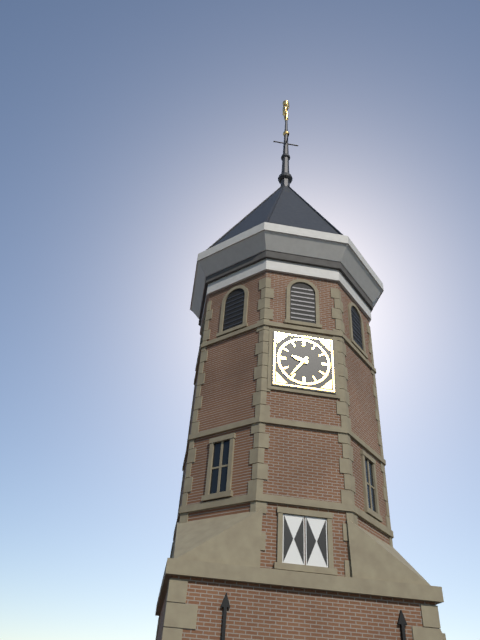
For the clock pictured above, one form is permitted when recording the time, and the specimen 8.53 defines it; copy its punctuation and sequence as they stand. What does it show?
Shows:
9.36
